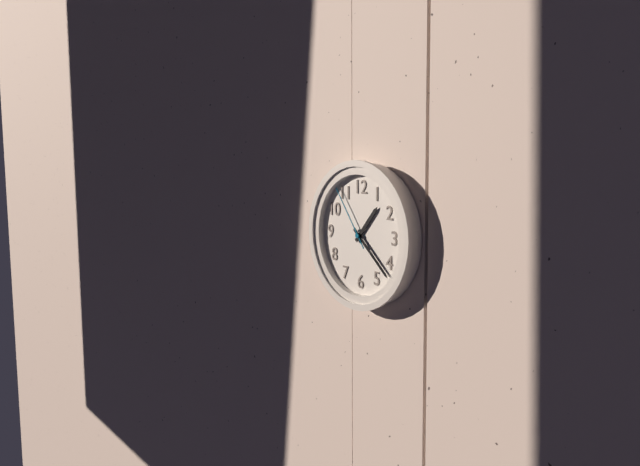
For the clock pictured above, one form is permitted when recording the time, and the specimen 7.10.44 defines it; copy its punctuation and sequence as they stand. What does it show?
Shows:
1.22.54
